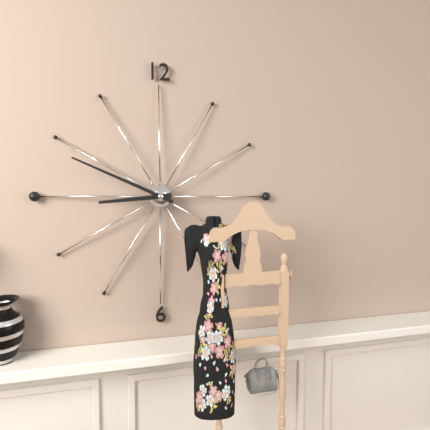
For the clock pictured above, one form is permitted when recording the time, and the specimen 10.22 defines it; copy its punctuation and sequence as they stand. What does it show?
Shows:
8.49
